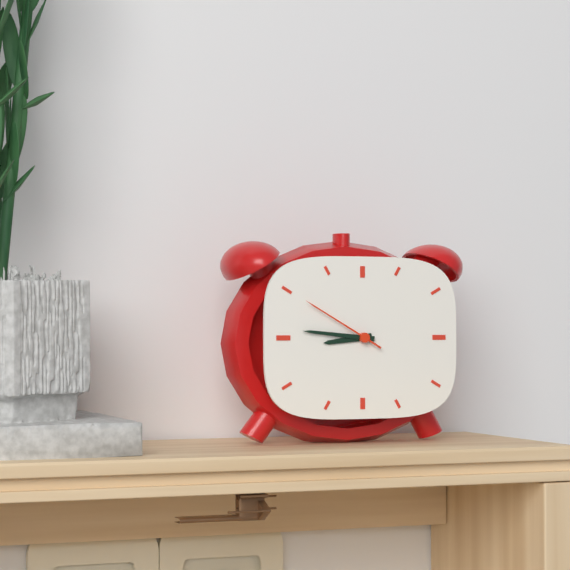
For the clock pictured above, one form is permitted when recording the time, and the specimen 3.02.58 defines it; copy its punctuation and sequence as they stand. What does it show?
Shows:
8.46.50
